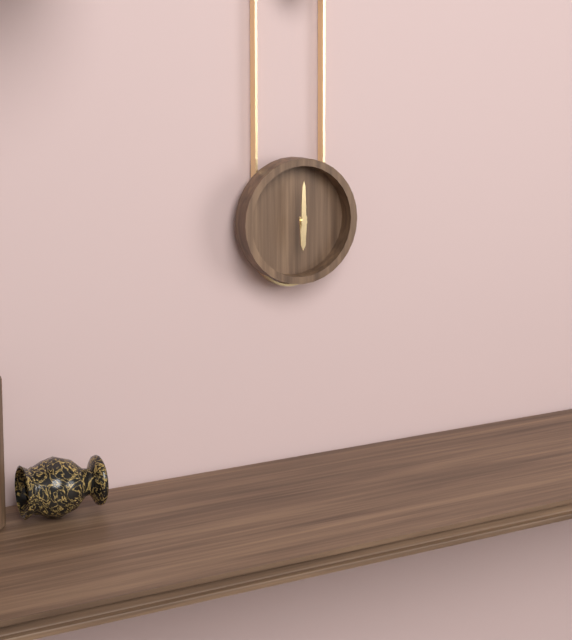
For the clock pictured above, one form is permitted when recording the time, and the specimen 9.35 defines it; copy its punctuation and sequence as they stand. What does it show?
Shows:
6.00
